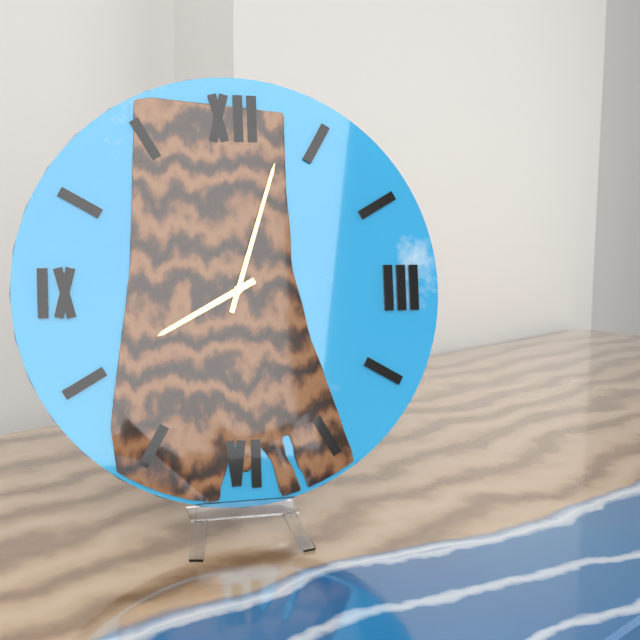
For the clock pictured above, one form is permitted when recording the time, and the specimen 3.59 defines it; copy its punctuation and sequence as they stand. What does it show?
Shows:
8.03
